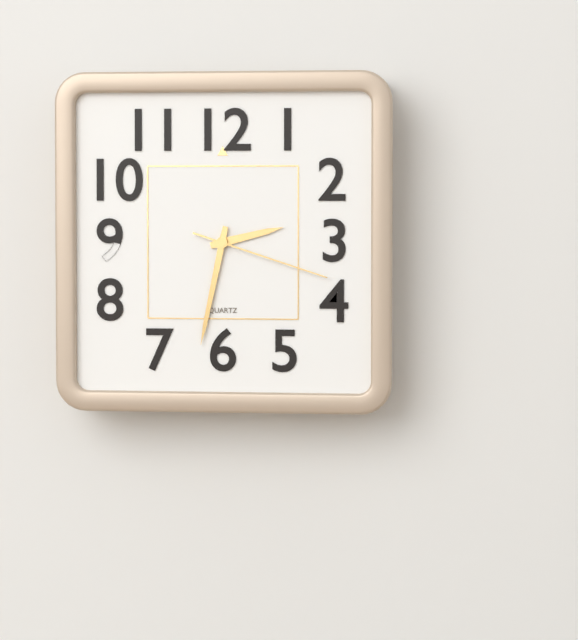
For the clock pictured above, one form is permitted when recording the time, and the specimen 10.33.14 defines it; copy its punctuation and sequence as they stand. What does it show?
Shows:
2.32.18
